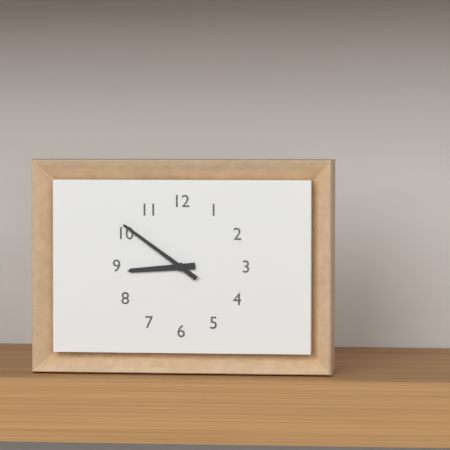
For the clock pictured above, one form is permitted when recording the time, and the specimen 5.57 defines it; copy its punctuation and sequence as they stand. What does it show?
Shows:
8.51
